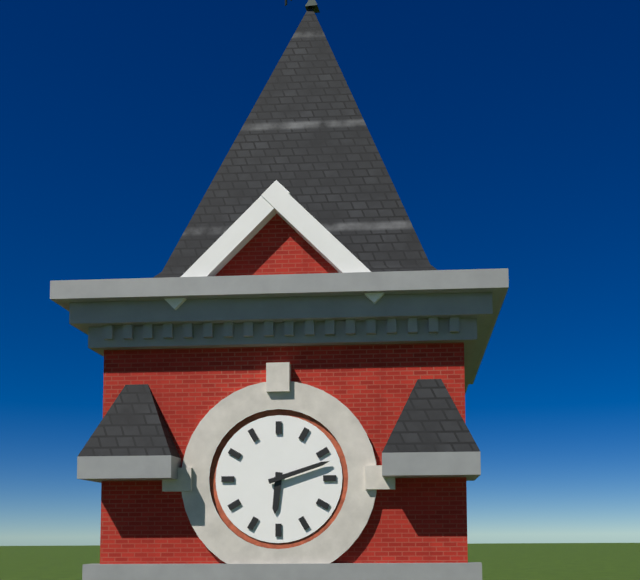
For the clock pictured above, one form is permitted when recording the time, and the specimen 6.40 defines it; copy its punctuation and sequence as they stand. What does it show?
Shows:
6.12
